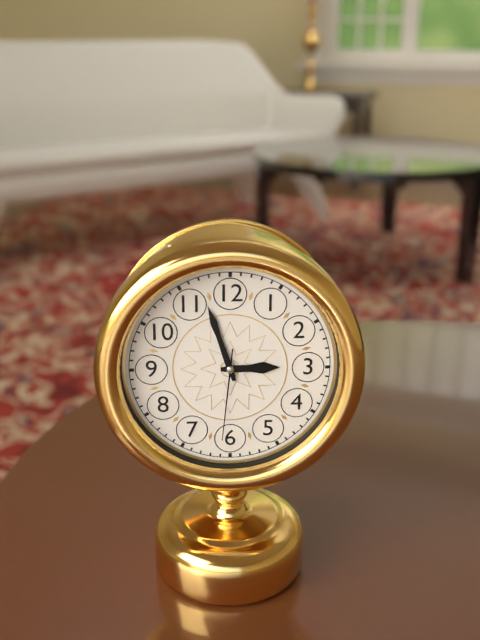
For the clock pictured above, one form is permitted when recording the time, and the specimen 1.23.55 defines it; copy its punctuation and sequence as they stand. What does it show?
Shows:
2.57.31
